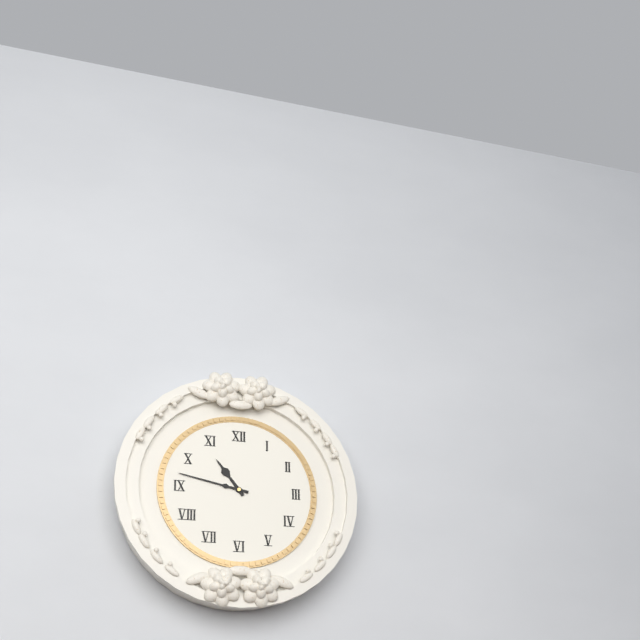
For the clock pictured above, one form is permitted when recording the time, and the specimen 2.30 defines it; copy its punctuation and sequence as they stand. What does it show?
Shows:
10.47
